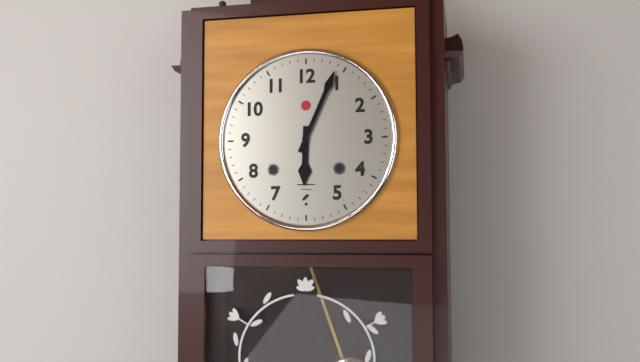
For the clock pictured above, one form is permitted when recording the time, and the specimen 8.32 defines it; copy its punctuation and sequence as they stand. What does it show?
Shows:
6.04
